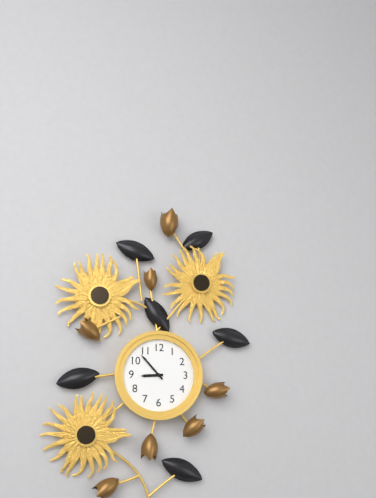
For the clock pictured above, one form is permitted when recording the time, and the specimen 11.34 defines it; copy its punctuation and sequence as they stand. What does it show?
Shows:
8.53
